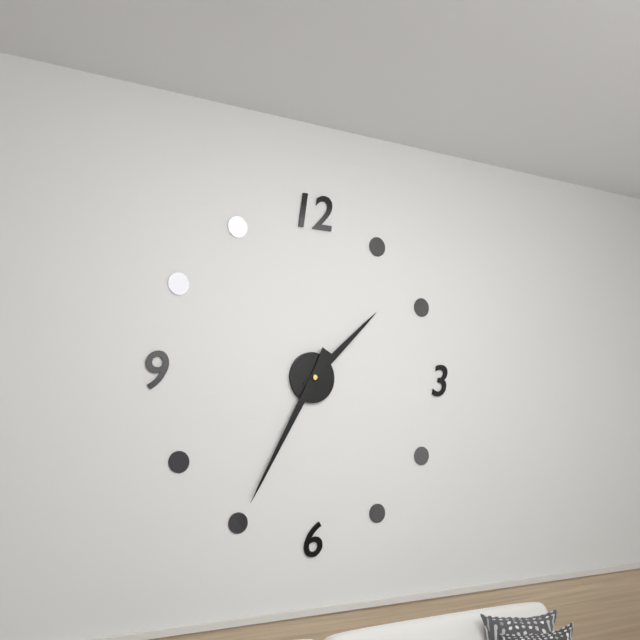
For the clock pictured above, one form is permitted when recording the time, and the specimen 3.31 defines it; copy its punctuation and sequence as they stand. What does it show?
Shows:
1.35
